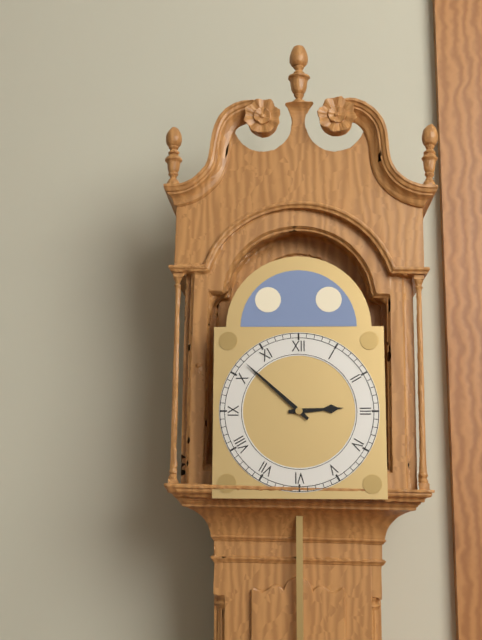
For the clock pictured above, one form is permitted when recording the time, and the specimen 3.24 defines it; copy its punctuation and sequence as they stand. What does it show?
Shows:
2.52
